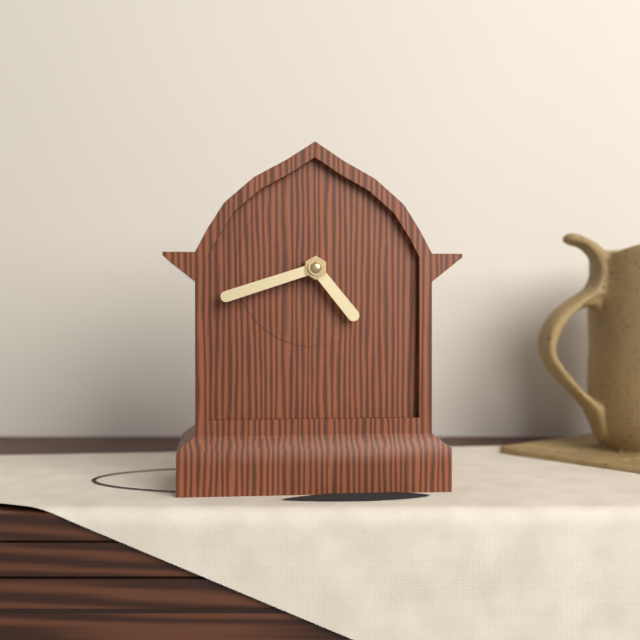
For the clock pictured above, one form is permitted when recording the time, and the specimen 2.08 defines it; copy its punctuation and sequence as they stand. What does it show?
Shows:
4.42
